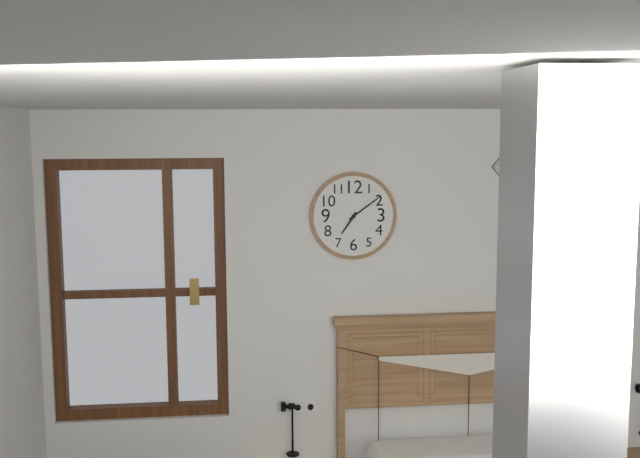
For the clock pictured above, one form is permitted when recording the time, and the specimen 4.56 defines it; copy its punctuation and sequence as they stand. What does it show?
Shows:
7.09
